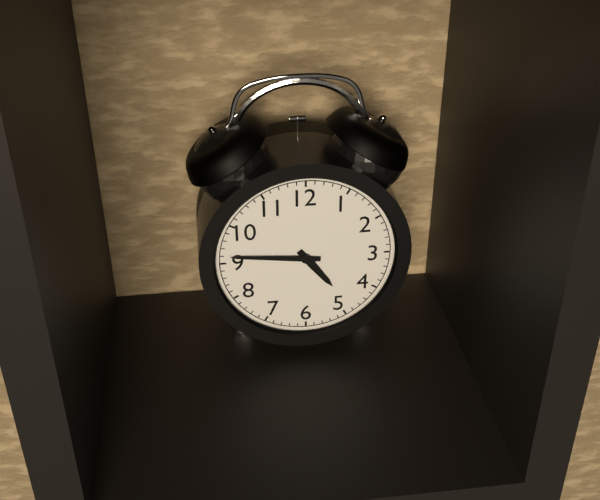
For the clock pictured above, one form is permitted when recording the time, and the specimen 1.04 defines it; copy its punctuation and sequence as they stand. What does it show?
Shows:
4.46
